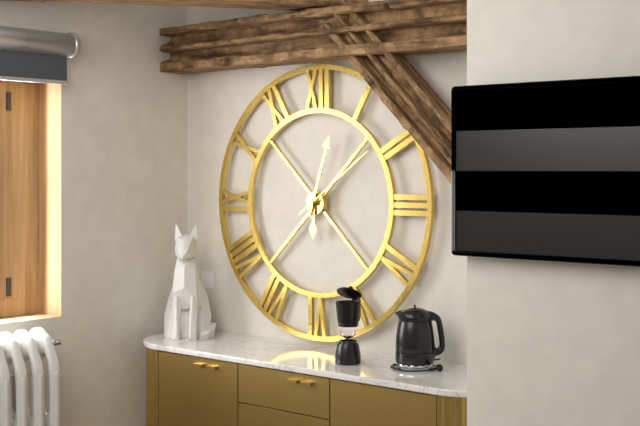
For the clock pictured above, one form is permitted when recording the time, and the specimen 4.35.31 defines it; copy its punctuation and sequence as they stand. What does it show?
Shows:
6.03.09
